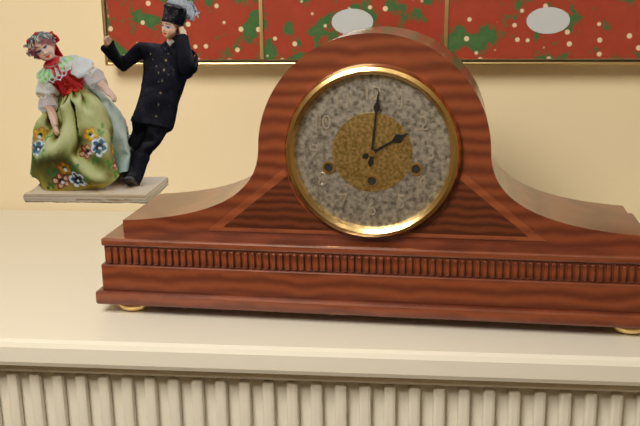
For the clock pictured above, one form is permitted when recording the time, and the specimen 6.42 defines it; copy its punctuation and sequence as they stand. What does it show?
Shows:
2.01
